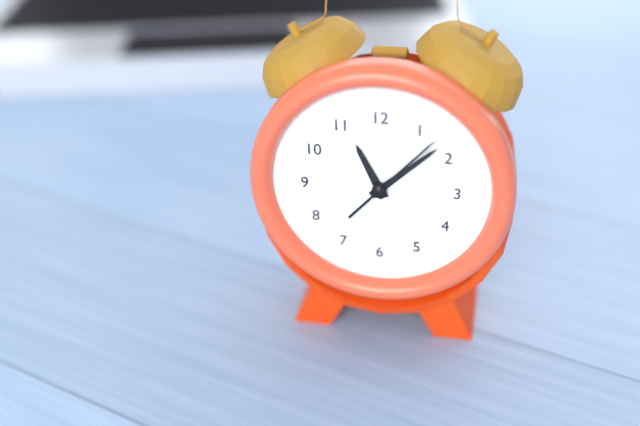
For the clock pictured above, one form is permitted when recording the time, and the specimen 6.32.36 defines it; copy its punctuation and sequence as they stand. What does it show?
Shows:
11.08.07
